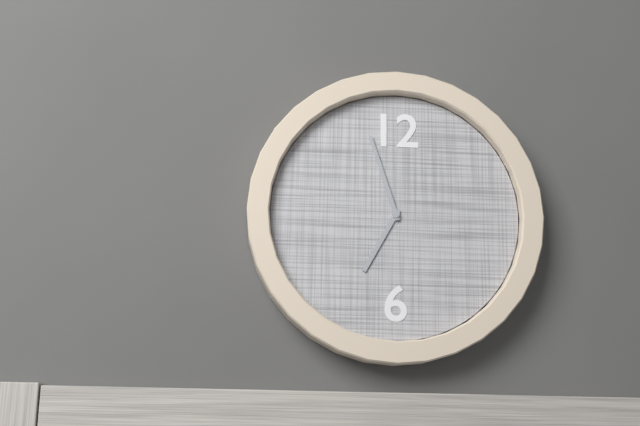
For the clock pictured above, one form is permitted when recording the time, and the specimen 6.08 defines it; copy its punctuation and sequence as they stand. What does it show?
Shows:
6.57
